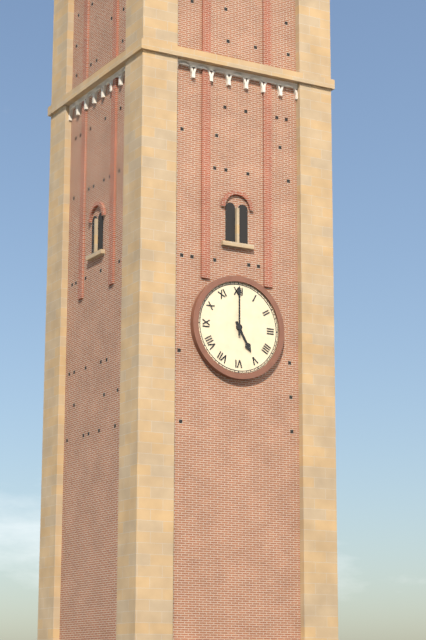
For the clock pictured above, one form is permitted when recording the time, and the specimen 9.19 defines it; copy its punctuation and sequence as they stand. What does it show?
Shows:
5.00
